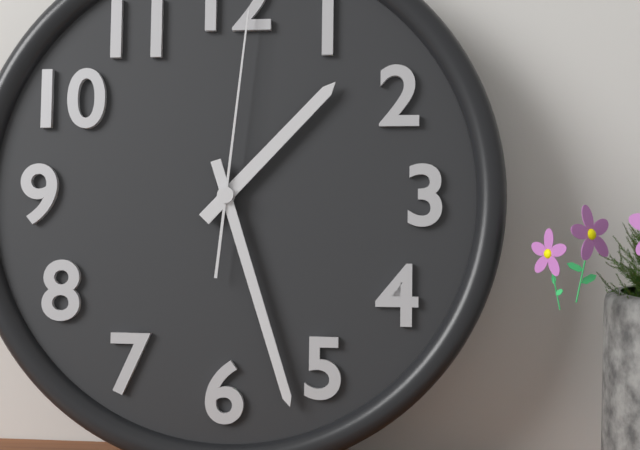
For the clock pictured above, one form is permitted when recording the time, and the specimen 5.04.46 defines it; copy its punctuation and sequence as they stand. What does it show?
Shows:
1.27.01
